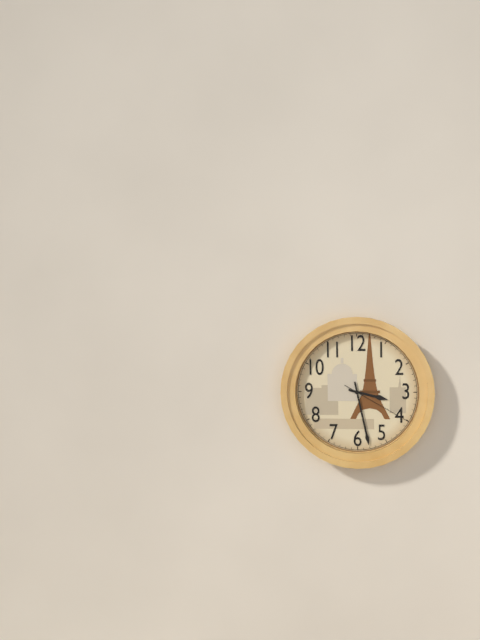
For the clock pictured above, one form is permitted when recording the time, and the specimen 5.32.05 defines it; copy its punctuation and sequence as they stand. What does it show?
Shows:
3.28.20
